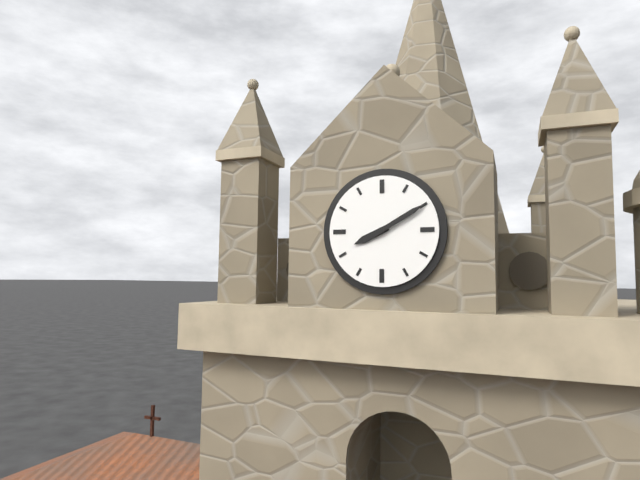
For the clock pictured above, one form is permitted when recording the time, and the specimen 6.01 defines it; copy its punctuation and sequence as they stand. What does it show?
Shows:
8.10
